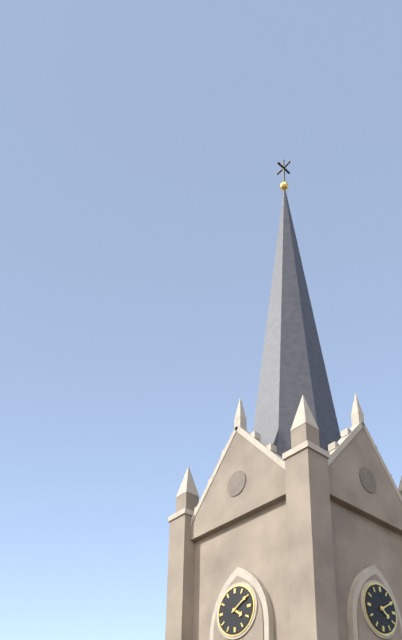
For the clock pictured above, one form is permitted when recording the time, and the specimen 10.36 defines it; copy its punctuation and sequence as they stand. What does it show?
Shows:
4.10
